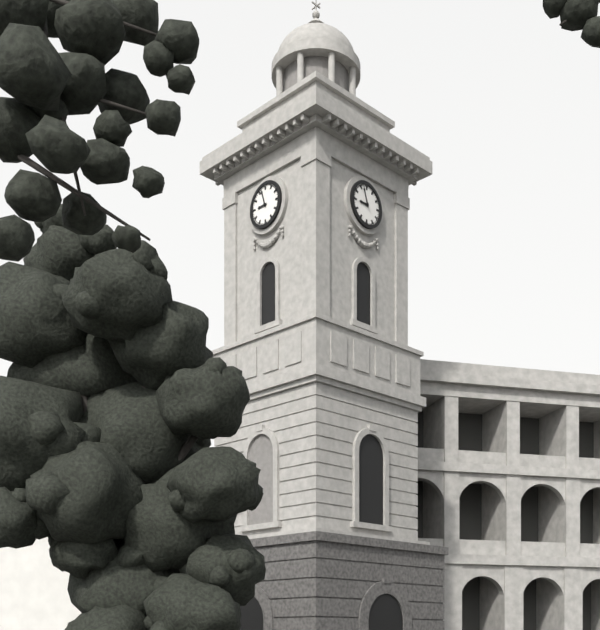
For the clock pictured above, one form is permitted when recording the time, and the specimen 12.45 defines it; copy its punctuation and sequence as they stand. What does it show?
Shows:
8.57
